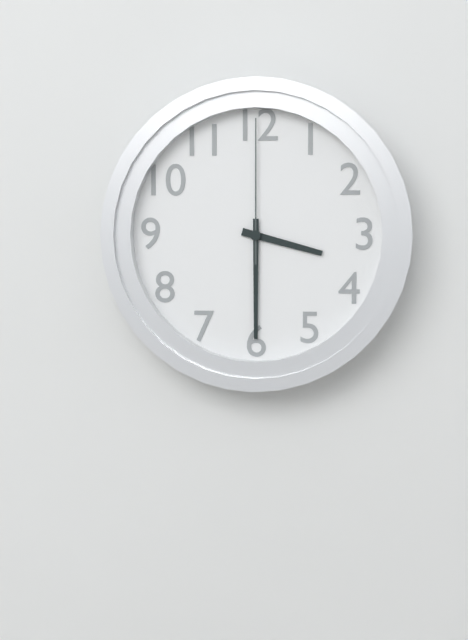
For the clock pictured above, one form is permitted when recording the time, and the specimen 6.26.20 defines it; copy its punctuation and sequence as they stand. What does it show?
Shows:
3.30.00
